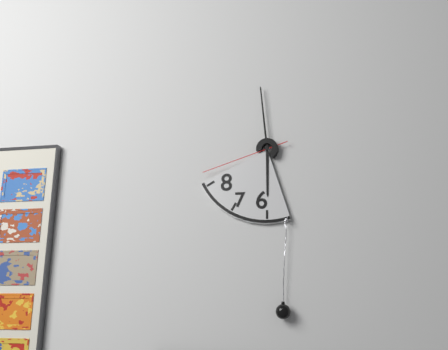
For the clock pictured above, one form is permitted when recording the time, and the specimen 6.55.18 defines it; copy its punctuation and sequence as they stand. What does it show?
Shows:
5.59.42
